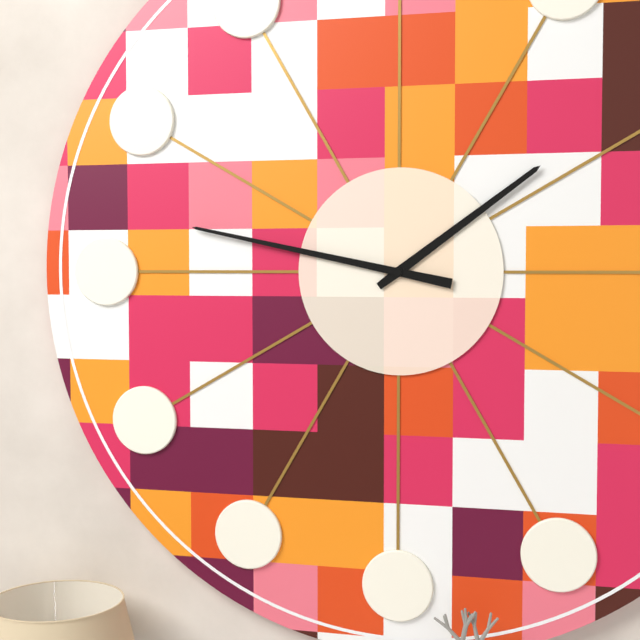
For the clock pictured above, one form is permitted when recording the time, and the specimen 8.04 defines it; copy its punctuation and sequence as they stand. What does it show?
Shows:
1.47
